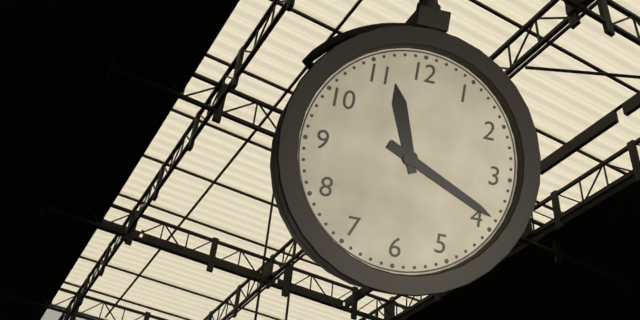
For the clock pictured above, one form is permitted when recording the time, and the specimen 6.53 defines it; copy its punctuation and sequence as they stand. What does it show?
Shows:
11.19
